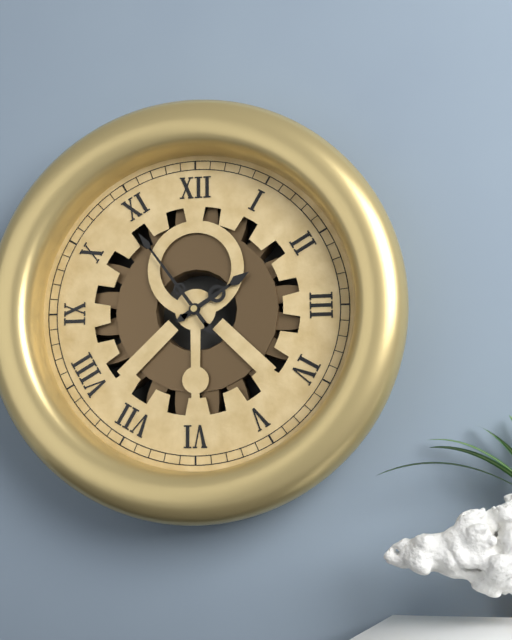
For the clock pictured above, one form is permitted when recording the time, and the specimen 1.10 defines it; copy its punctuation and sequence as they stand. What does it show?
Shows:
1.54
